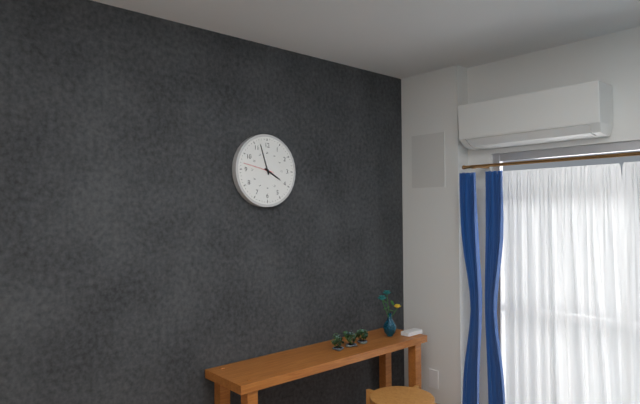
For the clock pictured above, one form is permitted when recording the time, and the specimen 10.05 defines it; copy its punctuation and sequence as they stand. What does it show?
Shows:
3.57
